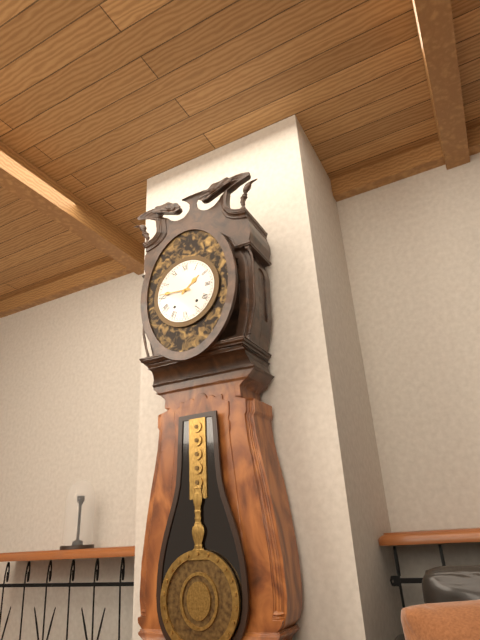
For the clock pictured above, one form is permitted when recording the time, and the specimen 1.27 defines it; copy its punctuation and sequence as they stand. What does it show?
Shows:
1.46
